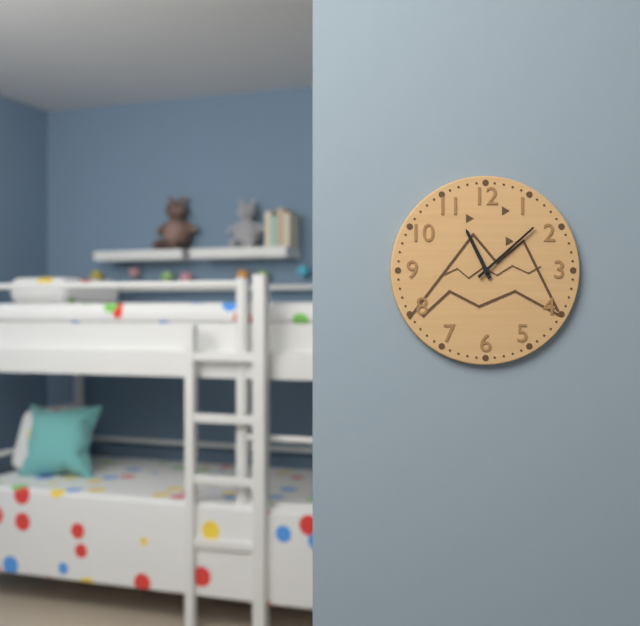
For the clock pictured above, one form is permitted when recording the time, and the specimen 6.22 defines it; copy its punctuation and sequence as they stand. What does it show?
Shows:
11.08
